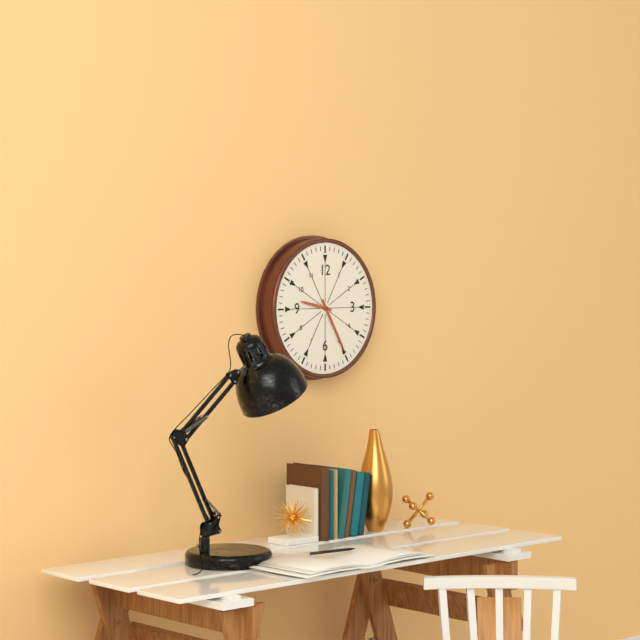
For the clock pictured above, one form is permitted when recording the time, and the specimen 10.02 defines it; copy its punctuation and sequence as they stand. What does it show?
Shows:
9.25
